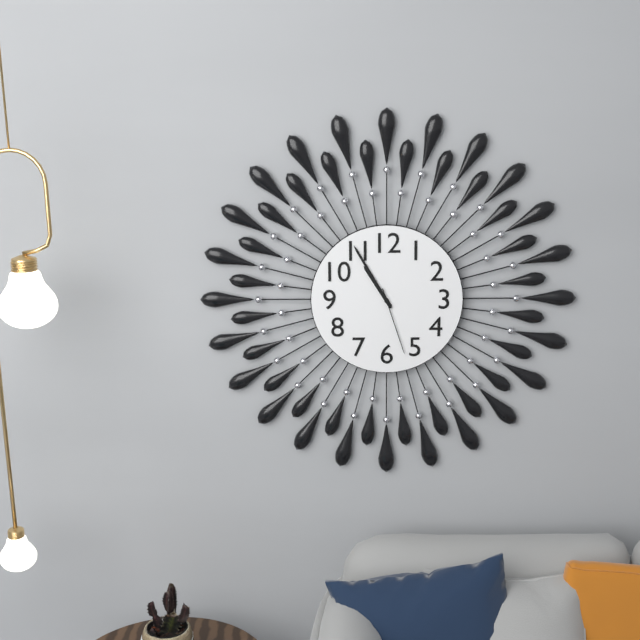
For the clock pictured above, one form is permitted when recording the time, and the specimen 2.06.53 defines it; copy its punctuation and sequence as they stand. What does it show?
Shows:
10.55.27
